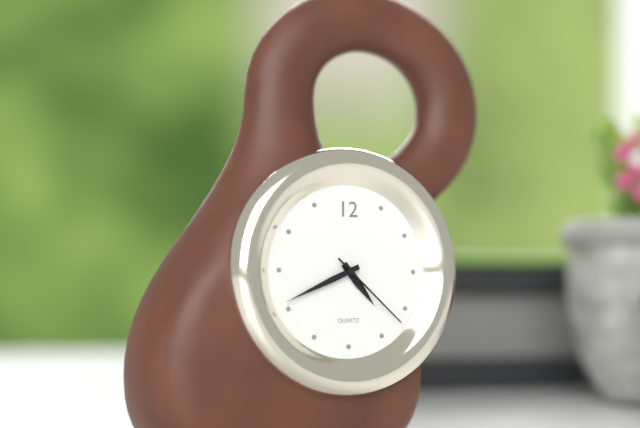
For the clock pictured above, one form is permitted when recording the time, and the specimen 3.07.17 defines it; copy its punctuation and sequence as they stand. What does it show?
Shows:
4.41.22
